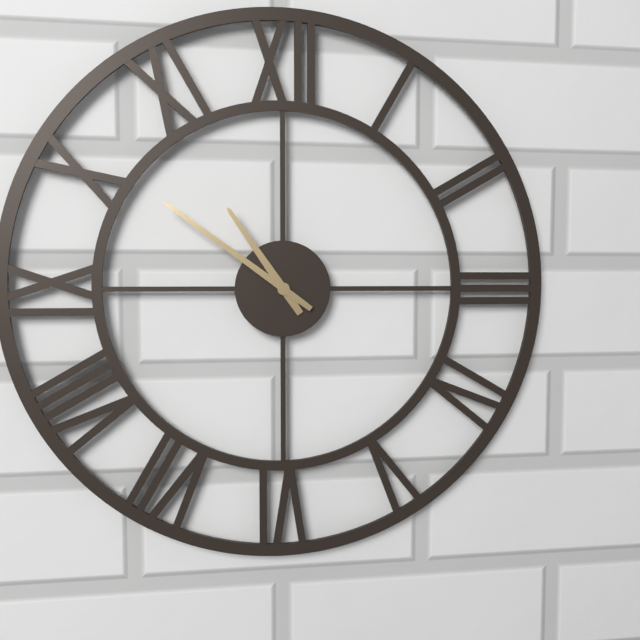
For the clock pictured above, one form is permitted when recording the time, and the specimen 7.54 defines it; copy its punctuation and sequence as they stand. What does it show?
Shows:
10.51
